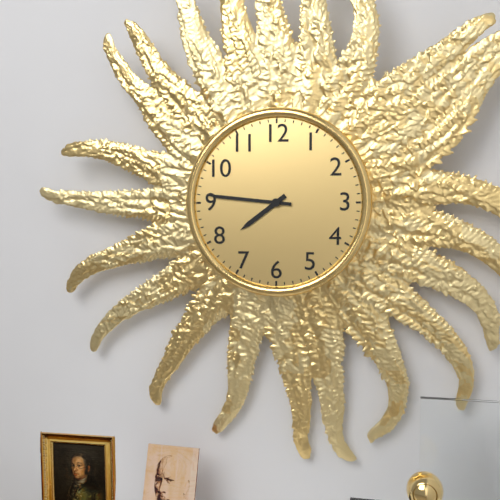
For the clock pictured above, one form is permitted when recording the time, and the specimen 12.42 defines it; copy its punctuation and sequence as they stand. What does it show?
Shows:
7.46
